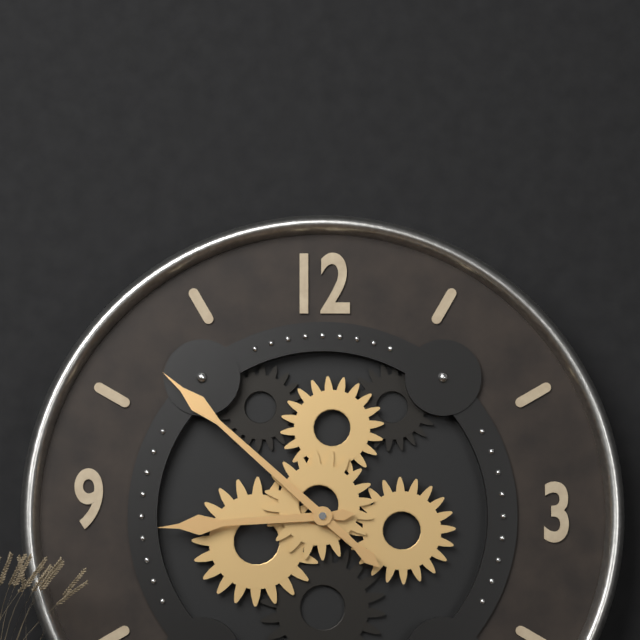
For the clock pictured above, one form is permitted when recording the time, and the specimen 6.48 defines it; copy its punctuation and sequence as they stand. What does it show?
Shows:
8.52
